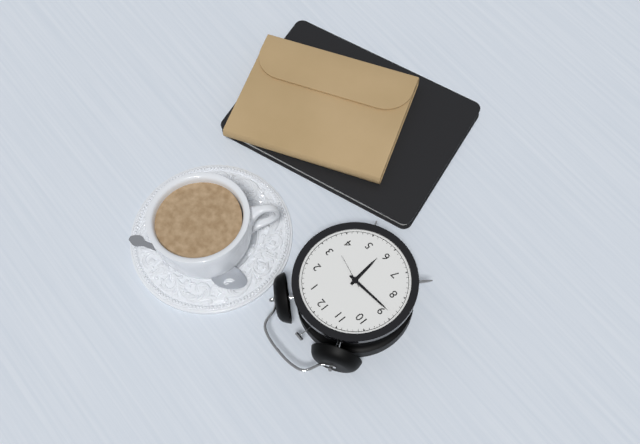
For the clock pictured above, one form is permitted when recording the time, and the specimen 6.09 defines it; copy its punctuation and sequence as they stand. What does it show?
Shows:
5.44
